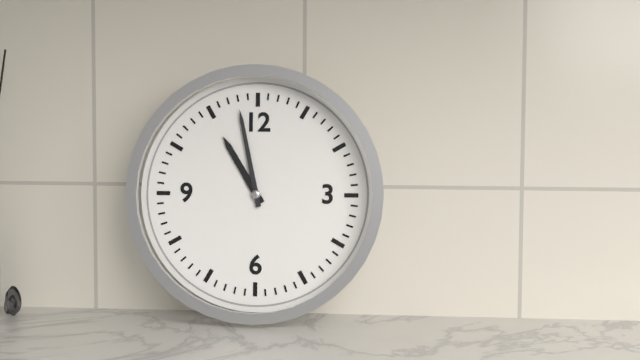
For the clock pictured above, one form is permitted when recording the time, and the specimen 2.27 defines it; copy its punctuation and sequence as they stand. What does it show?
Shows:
10.58
